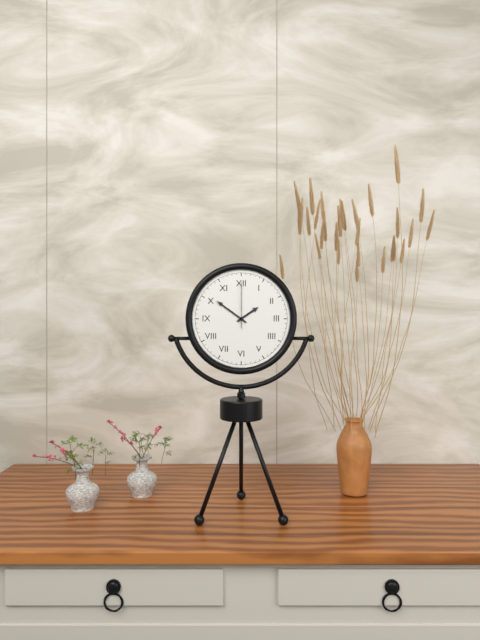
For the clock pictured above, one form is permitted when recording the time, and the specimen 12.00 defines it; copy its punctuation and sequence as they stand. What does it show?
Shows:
1.51
